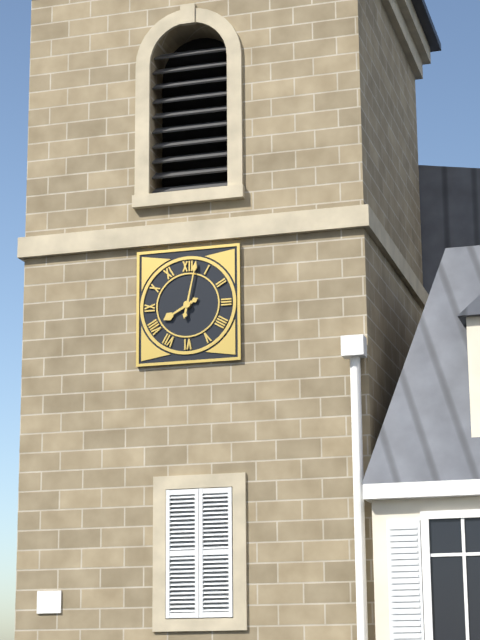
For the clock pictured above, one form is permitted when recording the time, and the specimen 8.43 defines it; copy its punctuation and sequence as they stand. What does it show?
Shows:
8.02
